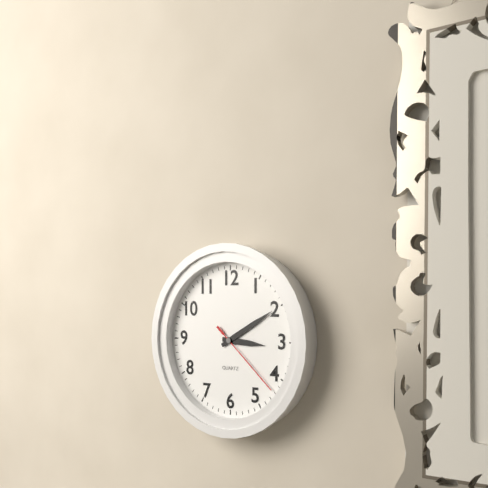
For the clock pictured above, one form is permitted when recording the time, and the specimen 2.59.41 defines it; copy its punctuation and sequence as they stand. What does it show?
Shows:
3.10.22
